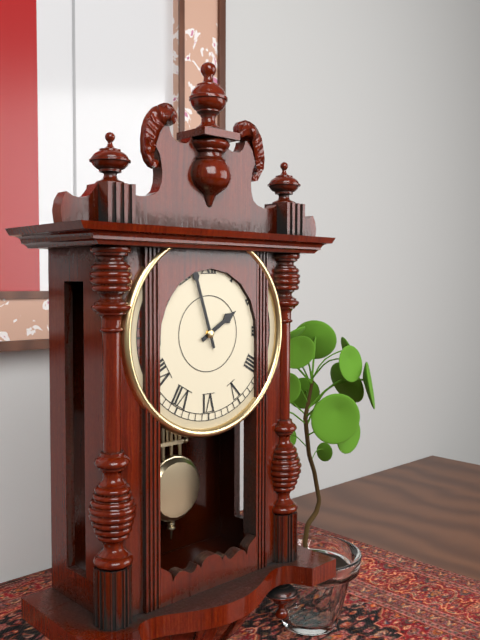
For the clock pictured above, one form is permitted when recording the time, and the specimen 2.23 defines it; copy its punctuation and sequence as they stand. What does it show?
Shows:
1.57
